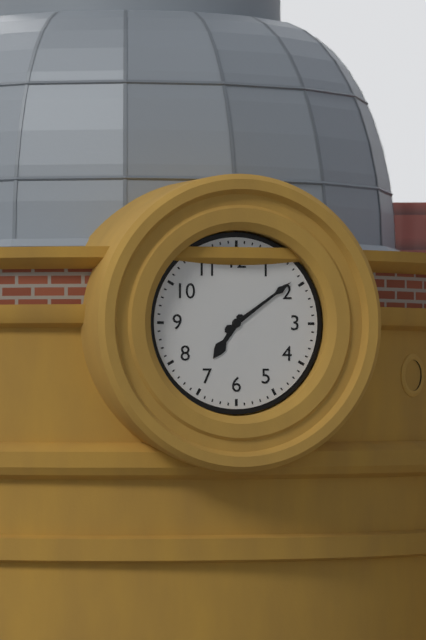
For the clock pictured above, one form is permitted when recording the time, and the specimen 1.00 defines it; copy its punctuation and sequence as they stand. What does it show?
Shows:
7.09
